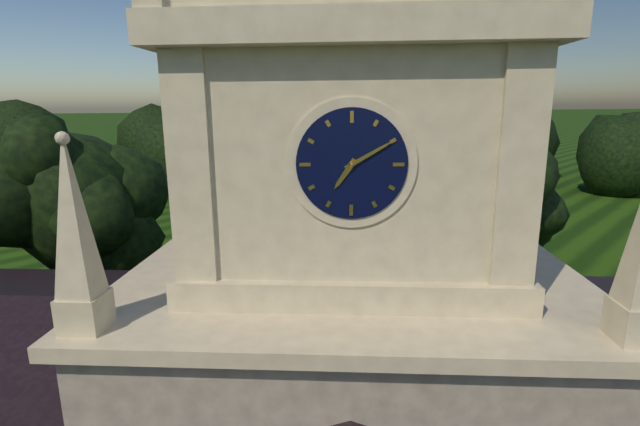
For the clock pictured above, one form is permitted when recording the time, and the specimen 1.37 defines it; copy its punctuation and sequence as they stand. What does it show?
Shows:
7.10
